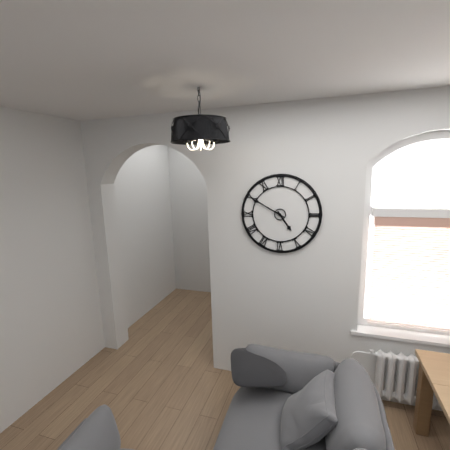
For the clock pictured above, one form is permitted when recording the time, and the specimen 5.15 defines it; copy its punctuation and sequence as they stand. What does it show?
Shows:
4.50
